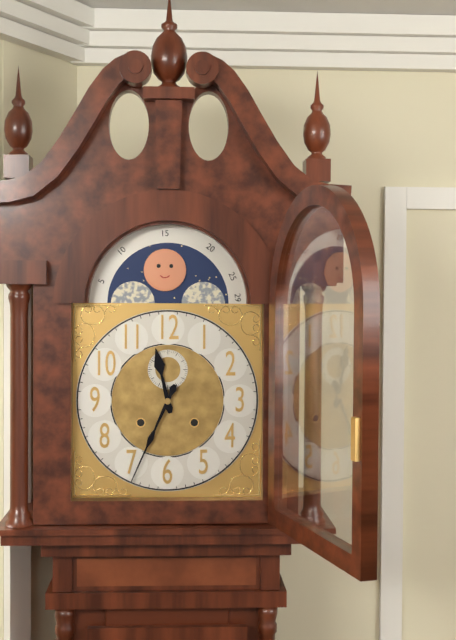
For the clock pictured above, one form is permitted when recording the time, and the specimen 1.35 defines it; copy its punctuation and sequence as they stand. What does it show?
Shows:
11.34
